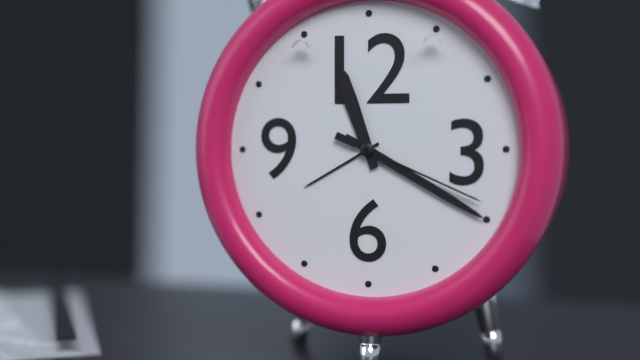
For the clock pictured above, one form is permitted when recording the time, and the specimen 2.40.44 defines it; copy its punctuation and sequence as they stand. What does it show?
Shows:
11.20.19
